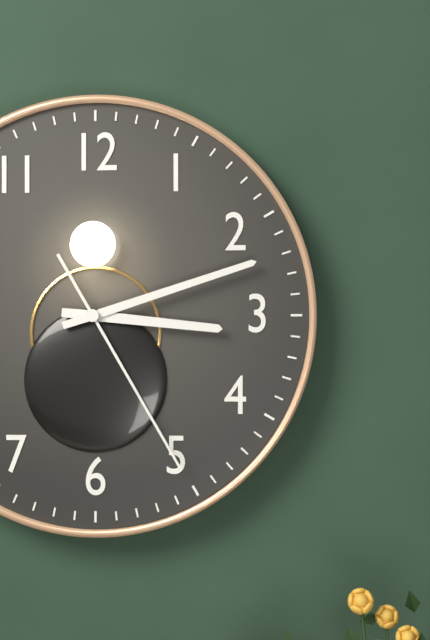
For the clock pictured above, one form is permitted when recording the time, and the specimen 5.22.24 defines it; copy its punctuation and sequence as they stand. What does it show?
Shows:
3.12.25
